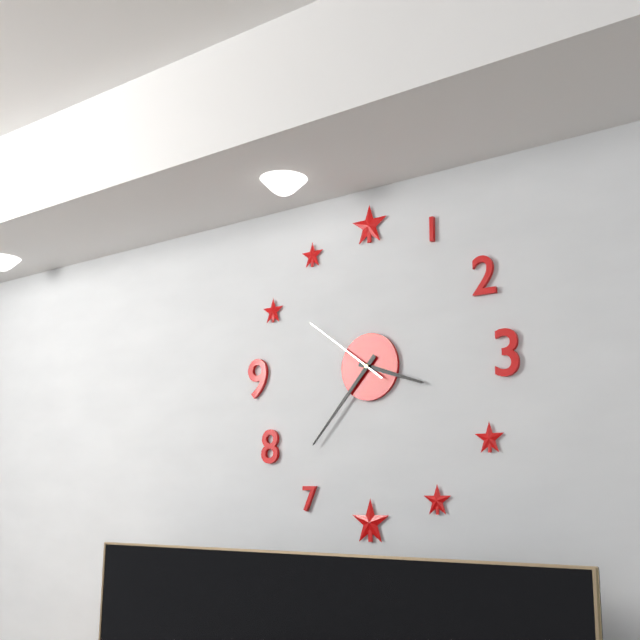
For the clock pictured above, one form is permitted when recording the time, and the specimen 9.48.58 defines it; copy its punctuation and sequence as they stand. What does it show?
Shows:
3.37.51
